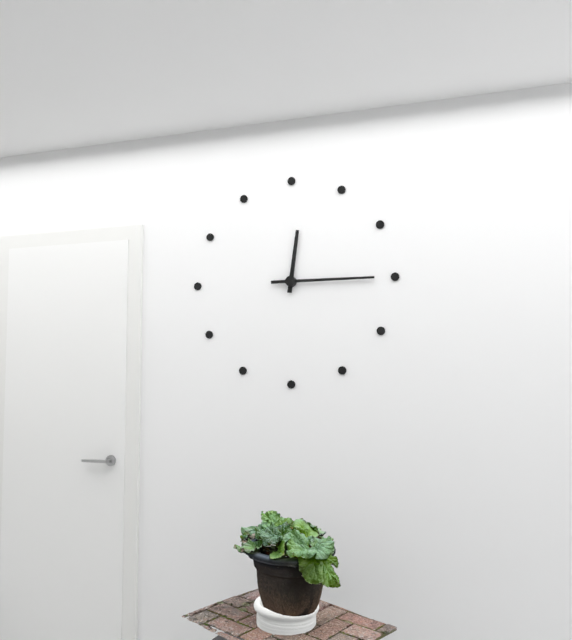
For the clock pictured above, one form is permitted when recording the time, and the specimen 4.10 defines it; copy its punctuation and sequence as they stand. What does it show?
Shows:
12.15
